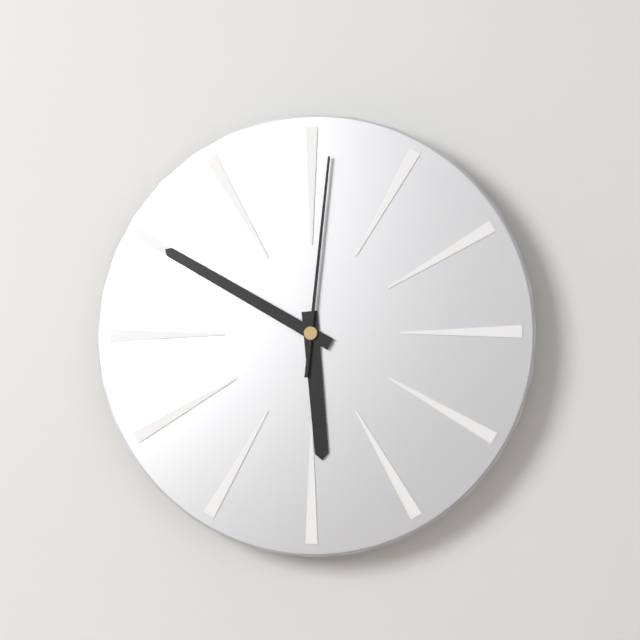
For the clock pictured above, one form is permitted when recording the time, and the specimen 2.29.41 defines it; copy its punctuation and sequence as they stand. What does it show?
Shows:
5.50.01
